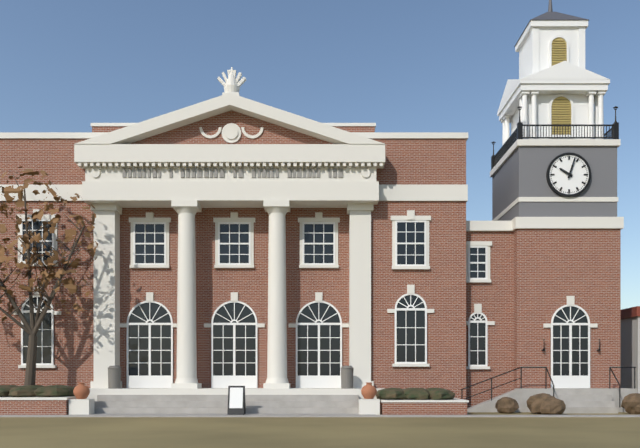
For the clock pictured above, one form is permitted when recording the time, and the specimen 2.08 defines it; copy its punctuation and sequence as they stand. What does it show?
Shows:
10.03
